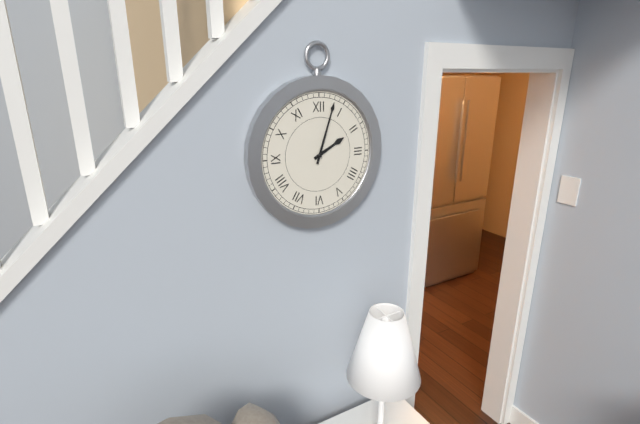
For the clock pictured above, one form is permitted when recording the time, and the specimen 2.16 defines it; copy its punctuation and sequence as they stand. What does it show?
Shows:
2.03
